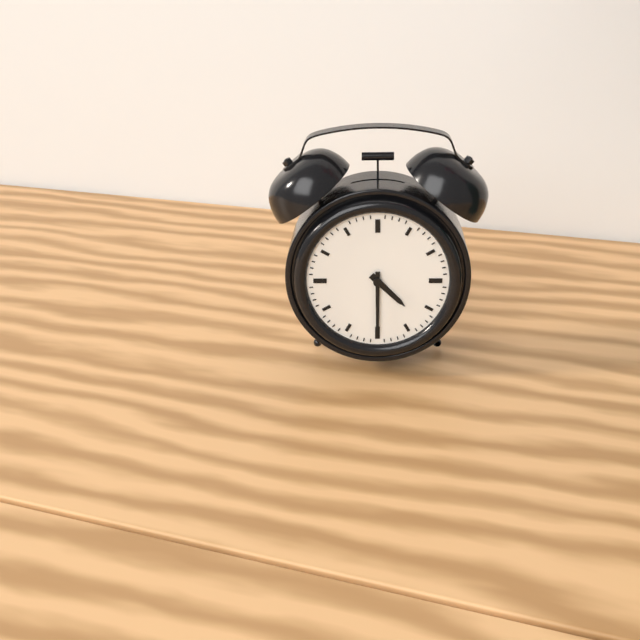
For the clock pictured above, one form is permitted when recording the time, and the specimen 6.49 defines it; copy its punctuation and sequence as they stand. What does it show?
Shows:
4.30
